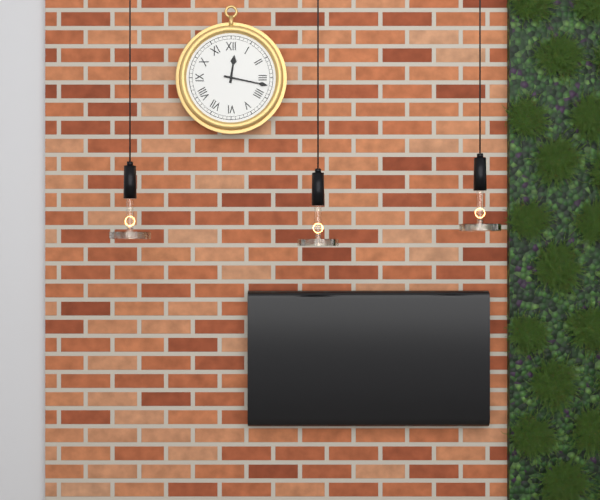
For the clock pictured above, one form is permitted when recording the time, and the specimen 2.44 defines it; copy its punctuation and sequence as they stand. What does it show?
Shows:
12.17
